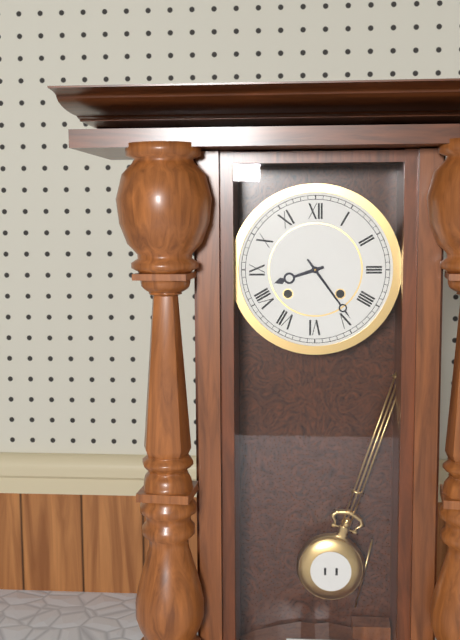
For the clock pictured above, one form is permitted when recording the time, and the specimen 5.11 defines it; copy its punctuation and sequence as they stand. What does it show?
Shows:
8.24
